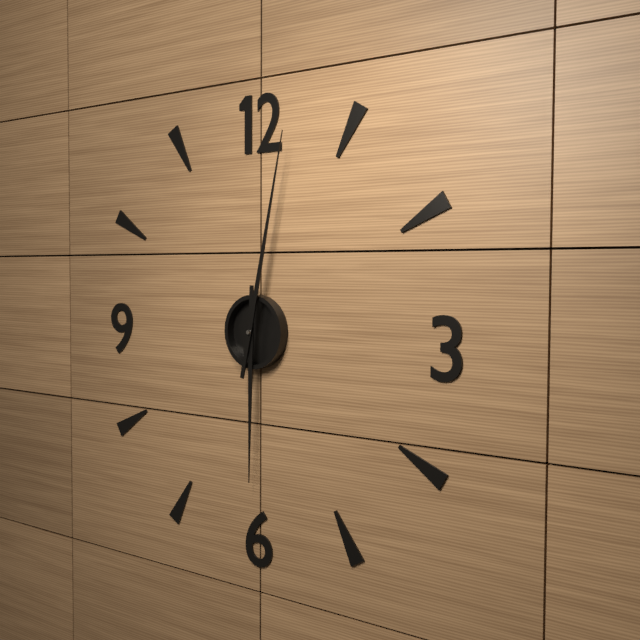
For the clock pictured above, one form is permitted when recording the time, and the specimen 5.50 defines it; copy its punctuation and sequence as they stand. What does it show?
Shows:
6.02
